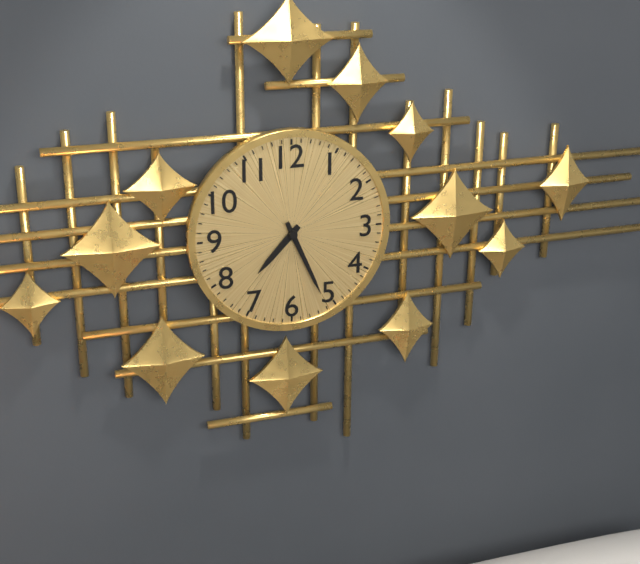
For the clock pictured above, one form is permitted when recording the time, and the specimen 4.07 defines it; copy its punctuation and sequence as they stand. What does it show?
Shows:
7.26
